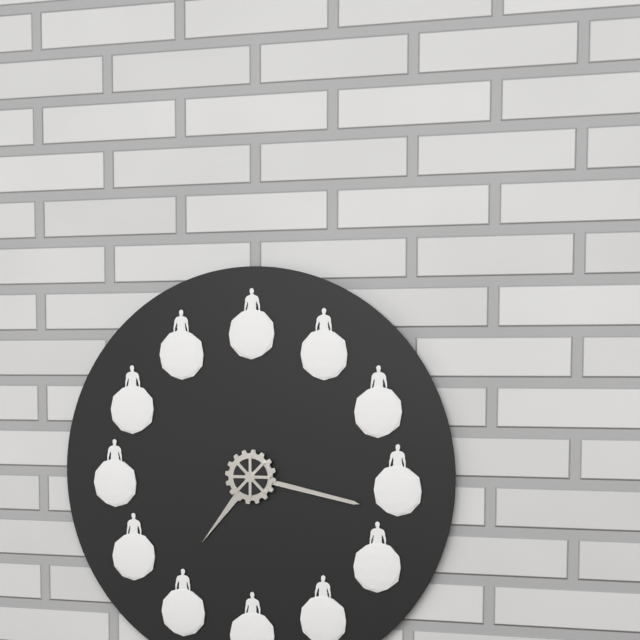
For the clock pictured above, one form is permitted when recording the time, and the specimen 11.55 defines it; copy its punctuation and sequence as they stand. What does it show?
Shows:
7.17
